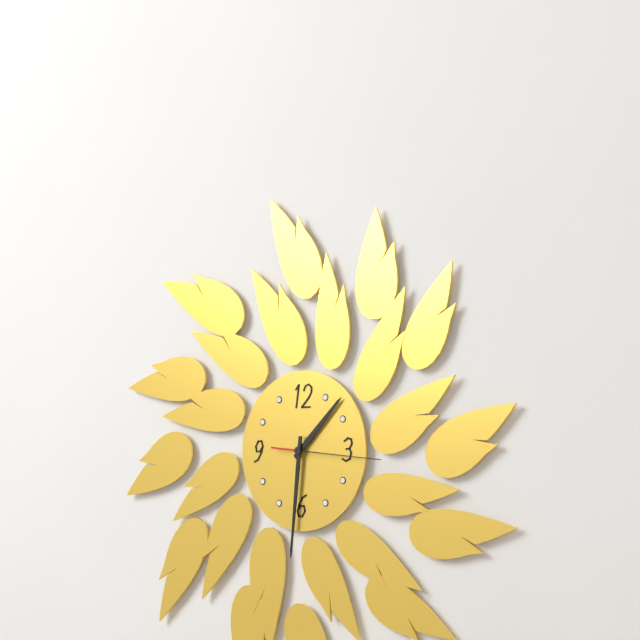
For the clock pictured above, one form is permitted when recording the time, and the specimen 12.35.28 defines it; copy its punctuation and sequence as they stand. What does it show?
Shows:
1.31.16
